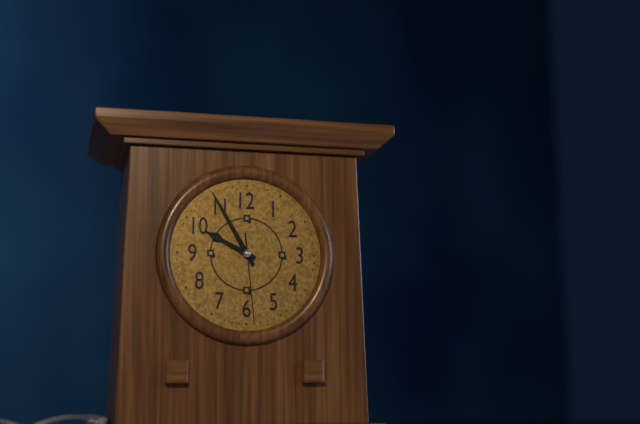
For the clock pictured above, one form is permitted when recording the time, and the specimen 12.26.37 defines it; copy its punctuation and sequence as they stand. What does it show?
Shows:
9.55.29
